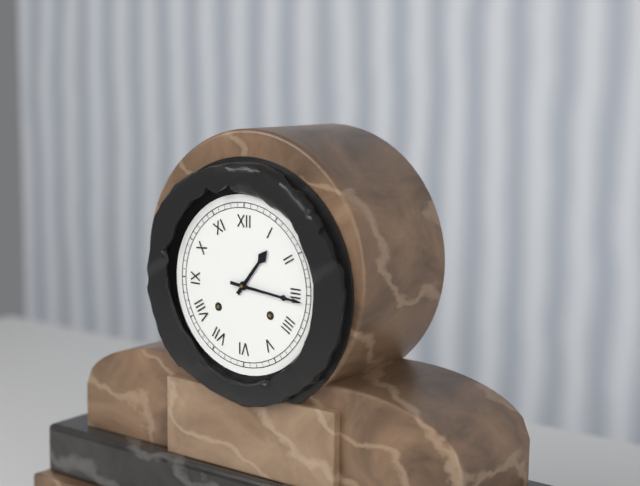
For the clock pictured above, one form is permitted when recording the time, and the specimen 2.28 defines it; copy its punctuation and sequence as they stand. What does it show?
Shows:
1.16
